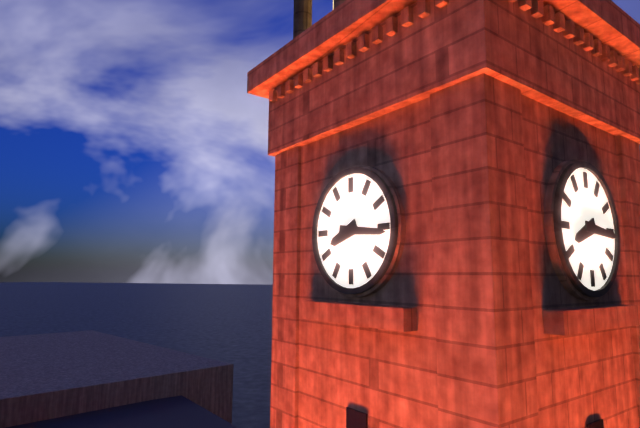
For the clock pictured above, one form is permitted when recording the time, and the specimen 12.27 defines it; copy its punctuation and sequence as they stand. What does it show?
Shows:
8.16
